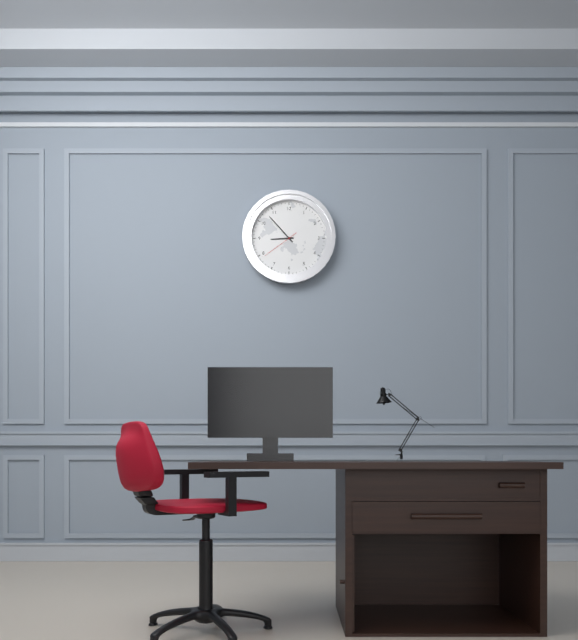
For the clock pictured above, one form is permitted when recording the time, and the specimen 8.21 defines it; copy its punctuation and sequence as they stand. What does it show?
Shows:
8.53
